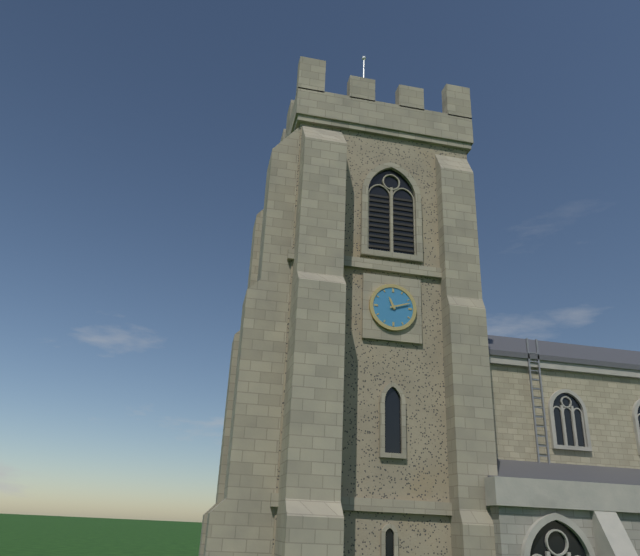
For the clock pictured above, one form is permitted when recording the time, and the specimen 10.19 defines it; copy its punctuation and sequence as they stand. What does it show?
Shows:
11.12
